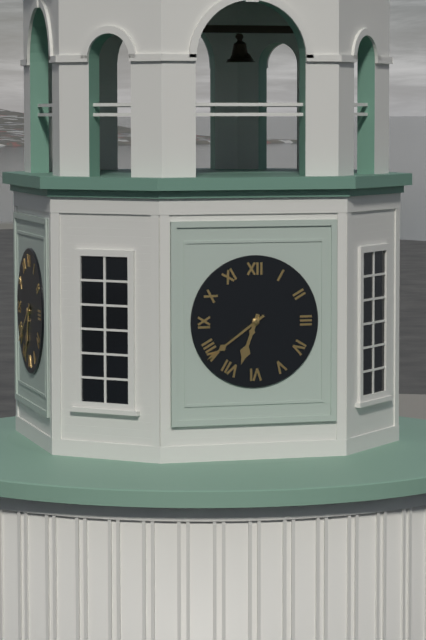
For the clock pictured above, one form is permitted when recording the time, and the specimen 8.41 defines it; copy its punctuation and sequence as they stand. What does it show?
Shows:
6.39
